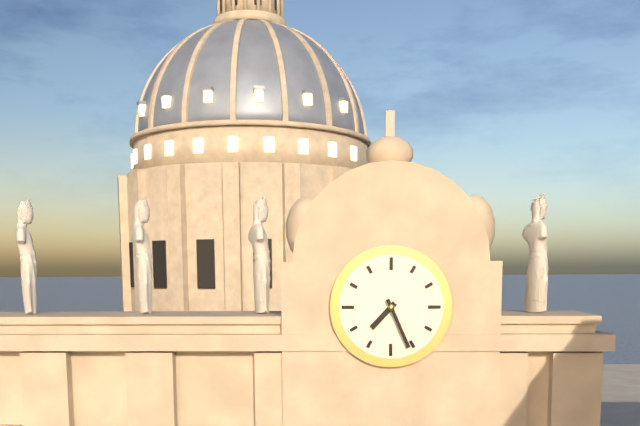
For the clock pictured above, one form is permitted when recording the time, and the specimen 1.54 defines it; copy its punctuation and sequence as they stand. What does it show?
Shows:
7.26
